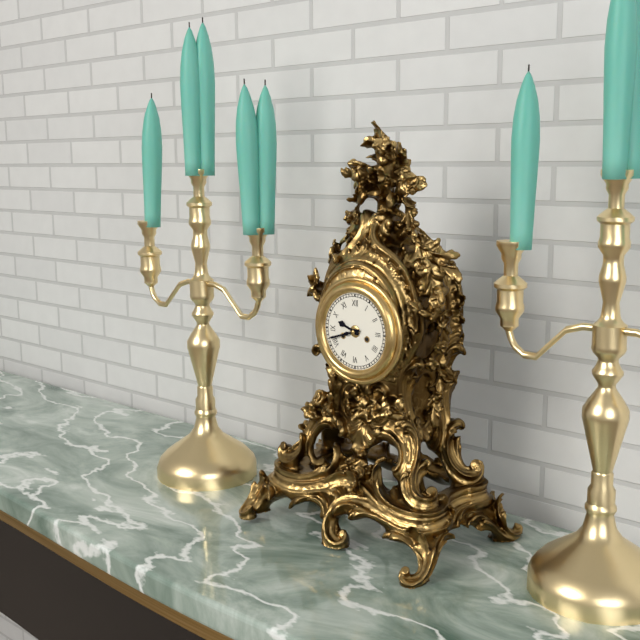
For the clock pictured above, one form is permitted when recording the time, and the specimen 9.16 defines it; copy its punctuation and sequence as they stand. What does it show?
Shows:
9.42
